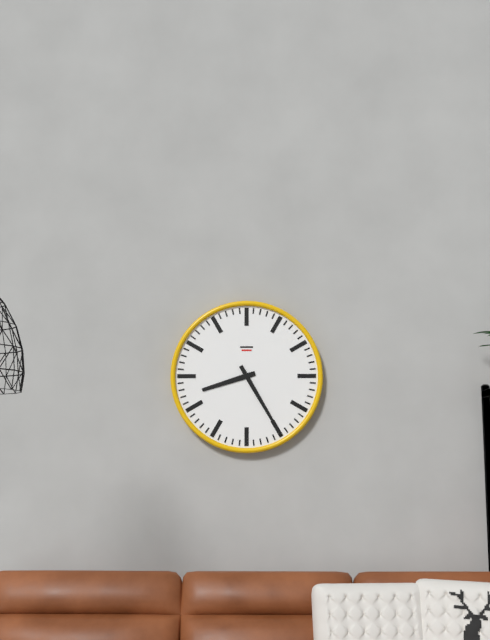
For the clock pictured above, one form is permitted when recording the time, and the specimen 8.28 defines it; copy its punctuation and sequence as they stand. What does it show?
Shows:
8.25
